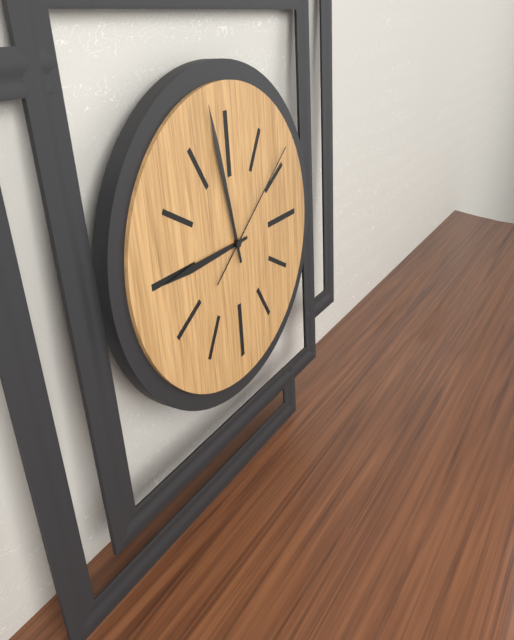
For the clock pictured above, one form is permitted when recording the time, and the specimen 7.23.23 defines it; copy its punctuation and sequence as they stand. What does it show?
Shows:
8.58.09
